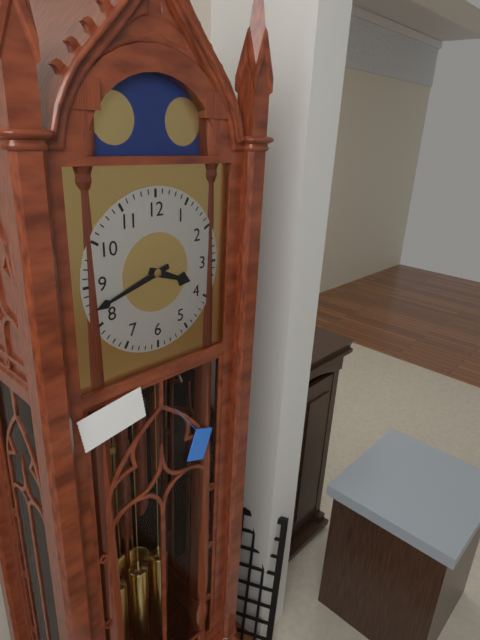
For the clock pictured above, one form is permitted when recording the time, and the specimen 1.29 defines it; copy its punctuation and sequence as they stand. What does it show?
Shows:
3.42
